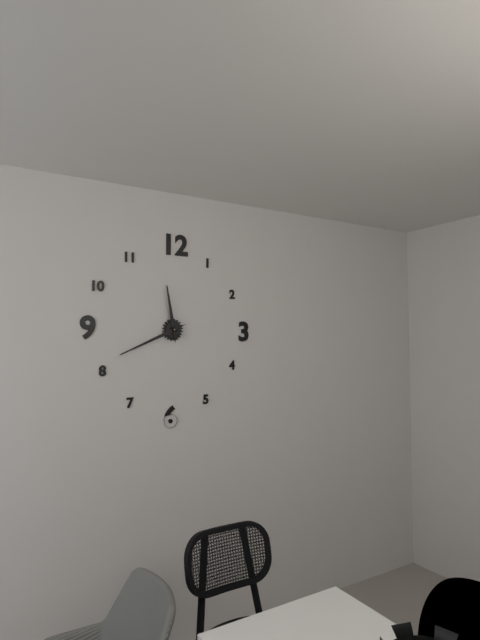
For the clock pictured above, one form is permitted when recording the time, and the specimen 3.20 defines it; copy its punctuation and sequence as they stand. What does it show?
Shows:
11.41
